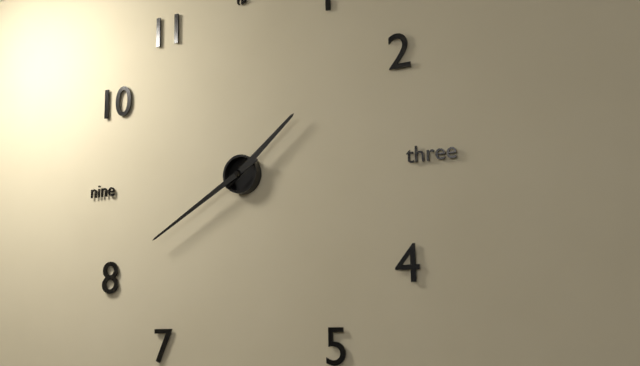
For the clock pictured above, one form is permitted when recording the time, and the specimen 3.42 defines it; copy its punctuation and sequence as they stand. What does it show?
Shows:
1.40
